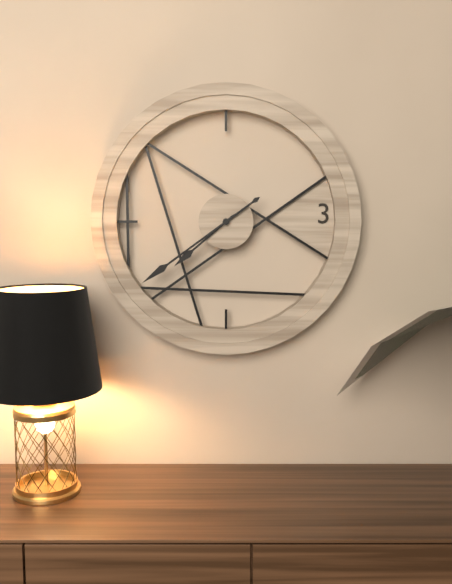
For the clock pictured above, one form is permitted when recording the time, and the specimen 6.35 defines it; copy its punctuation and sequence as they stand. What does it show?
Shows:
7.39
